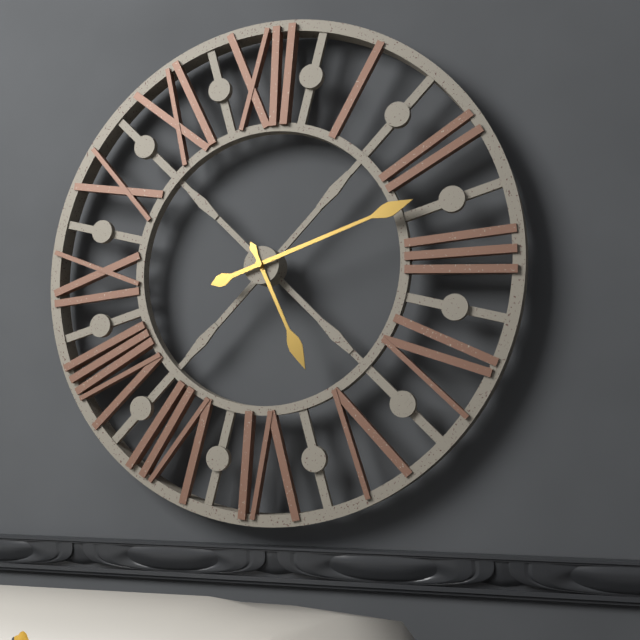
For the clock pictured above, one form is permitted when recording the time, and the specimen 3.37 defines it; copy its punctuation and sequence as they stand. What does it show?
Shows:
5.12
